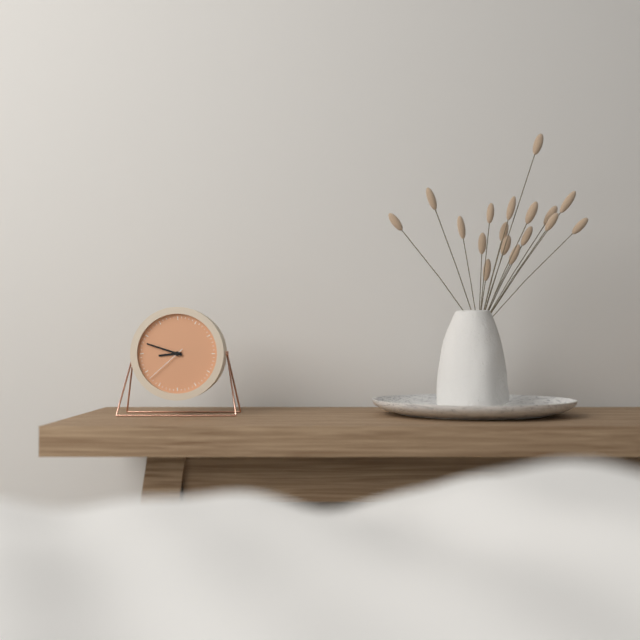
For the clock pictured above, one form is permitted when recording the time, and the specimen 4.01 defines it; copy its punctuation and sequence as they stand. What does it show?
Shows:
8.48
